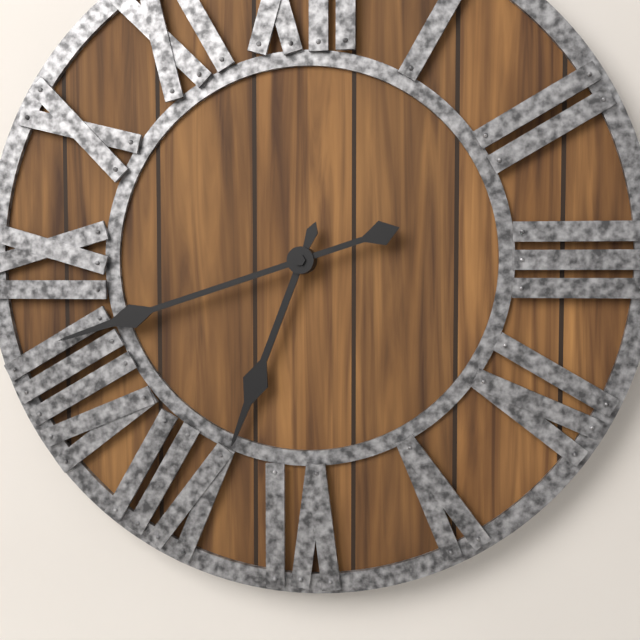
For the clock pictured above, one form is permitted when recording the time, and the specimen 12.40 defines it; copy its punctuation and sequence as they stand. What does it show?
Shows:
6.42
